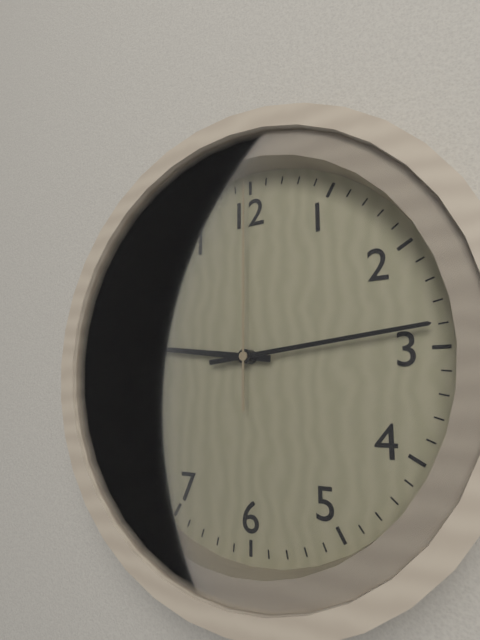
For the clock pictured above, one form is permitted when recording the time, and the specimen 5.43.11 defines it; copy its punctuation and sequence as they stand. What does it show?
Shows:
9.14.00
